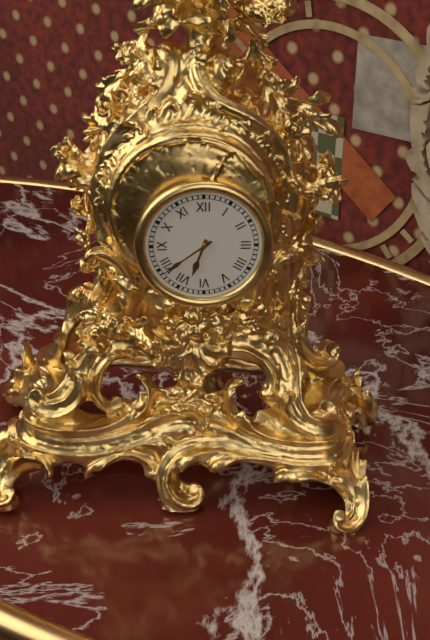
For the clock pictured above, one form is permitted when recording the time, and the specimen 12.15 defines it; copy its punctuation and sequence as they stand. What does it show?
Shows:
6.39
